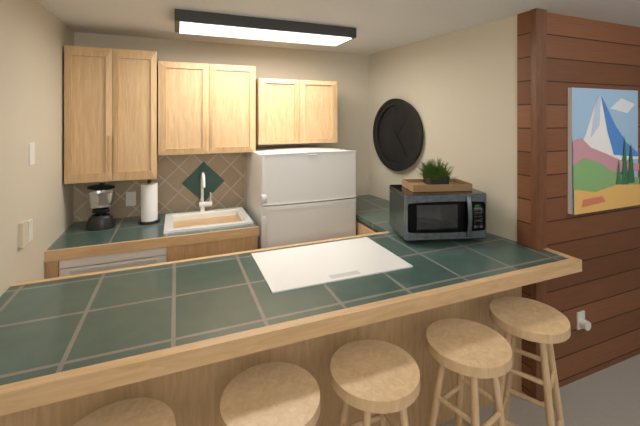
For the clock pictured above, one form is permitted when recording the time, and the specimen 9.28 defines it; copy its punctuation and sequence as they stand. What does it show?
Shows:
1.24
